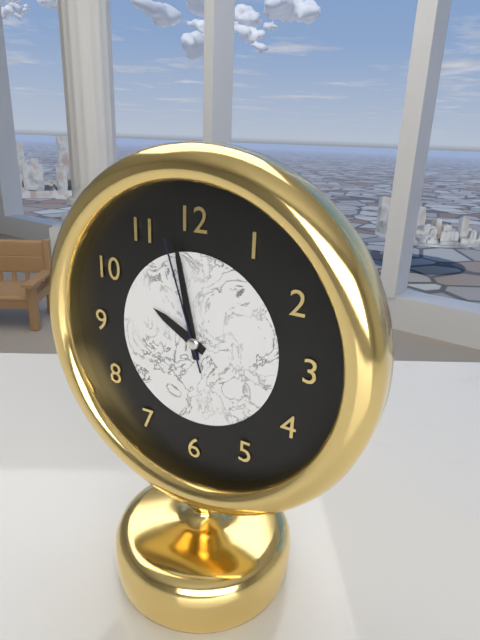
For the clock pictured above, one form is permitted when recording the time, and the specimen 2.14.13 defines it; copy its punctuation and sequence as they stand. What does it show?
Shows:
9.58.57
